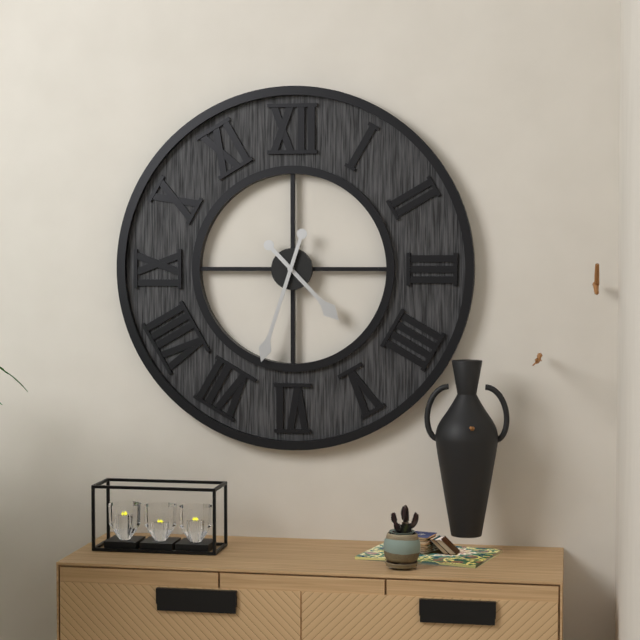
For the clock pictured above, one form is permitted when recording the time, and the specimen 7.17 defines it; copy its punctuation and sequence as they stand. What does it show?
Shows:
4.33
